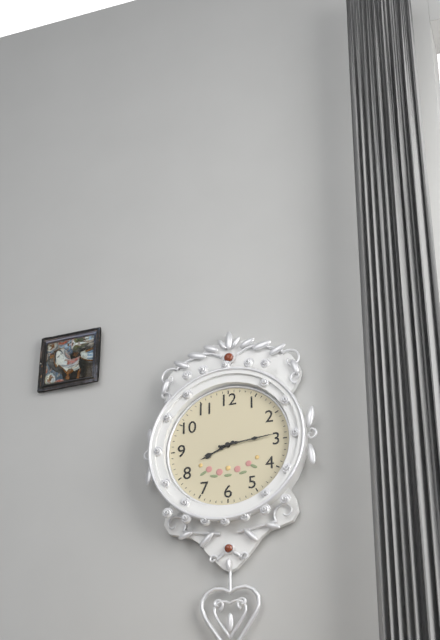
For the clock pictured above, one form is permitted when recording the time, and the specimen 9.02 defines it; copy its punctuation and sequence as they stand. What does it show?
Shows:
8.14
